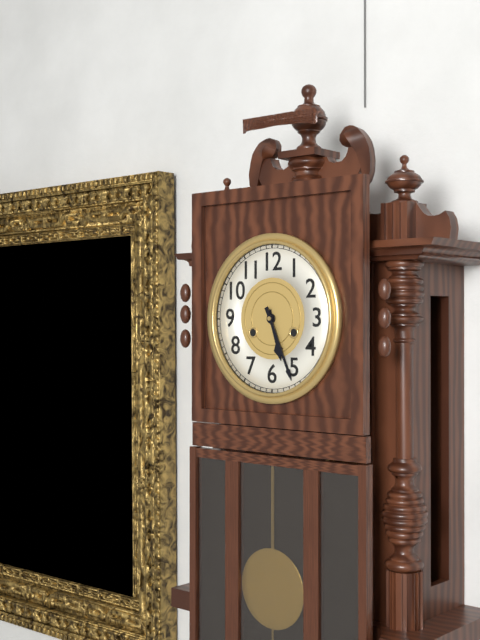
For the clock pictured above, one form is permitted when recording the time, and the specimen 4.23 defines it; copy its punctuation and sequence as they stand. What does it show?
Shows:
5.26
